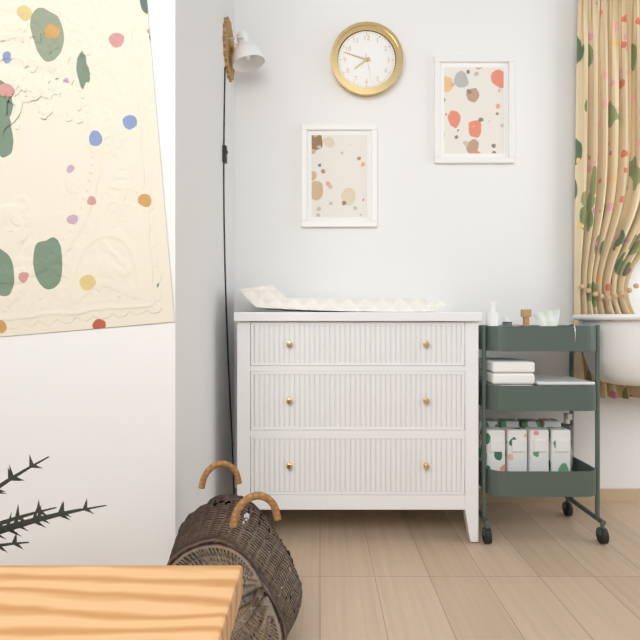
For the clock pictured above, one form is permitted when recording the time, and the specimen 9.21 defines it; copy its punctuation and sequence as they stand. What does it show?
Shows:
7.48
